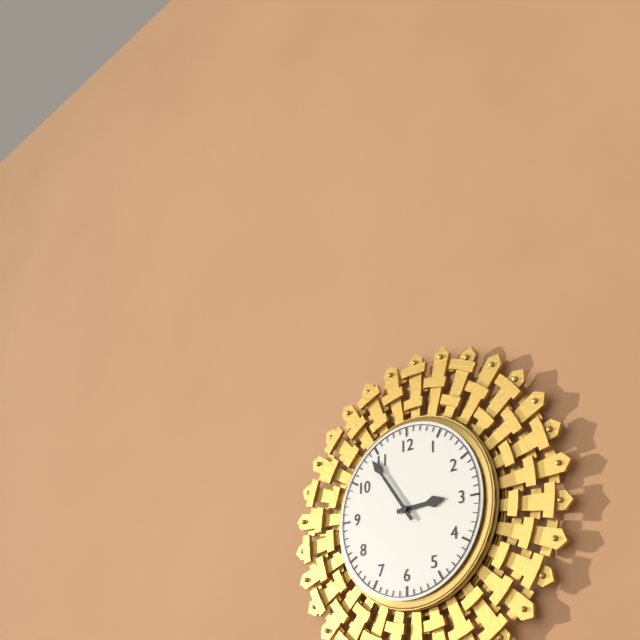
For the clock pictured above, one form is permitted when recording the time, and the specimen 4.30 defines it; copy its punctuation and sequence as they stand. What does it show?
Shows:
2.54
